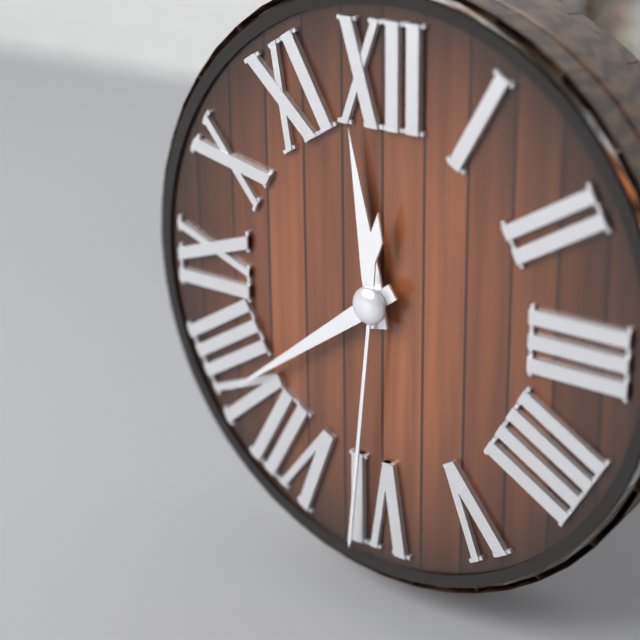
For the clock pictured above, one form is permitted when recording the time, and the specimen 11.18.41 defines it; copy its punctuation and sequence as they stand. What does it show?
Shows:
11.39.31
